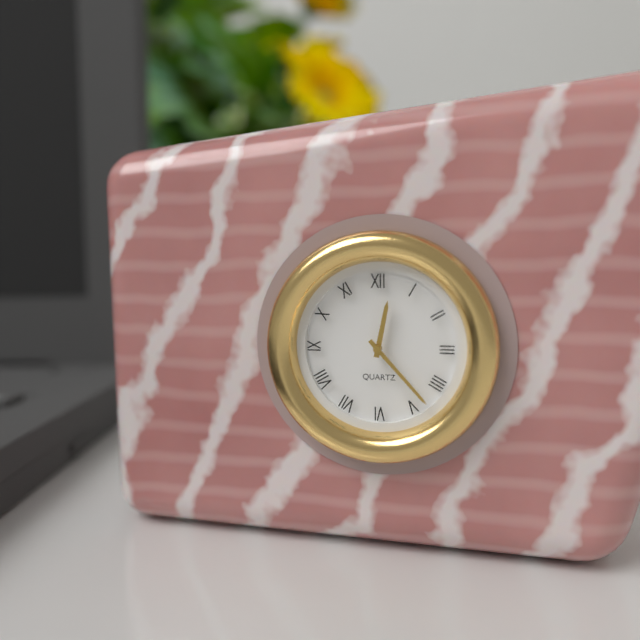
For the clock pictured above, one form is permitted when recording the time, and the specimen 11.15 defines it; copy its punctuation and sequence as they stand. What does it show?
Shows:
12.23
